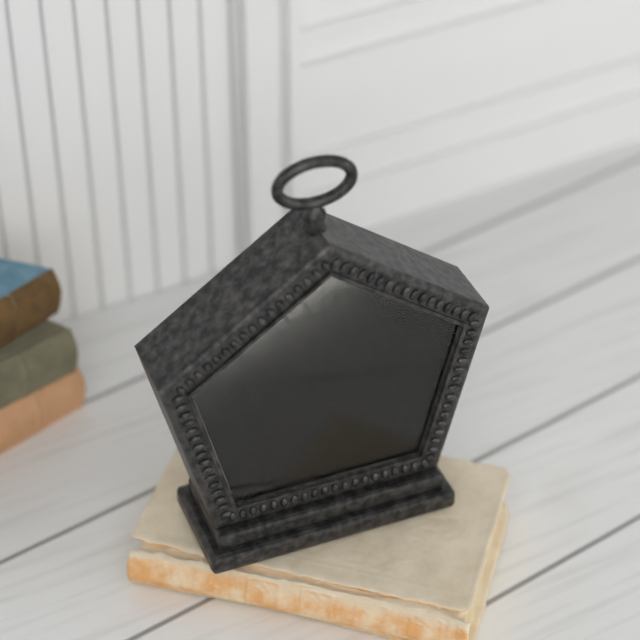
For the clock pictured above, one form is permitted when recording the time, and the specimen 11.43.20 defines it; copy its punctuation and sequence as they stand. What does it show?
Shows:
7.51.47
